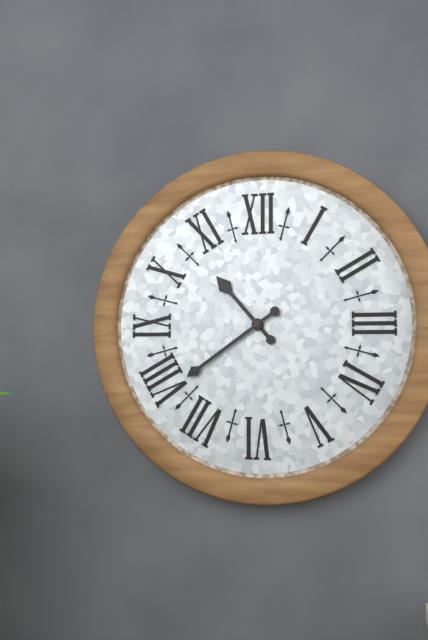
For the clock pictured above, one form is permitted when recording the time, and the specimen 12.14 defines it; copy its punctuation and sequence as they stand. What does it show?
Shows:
10.39
